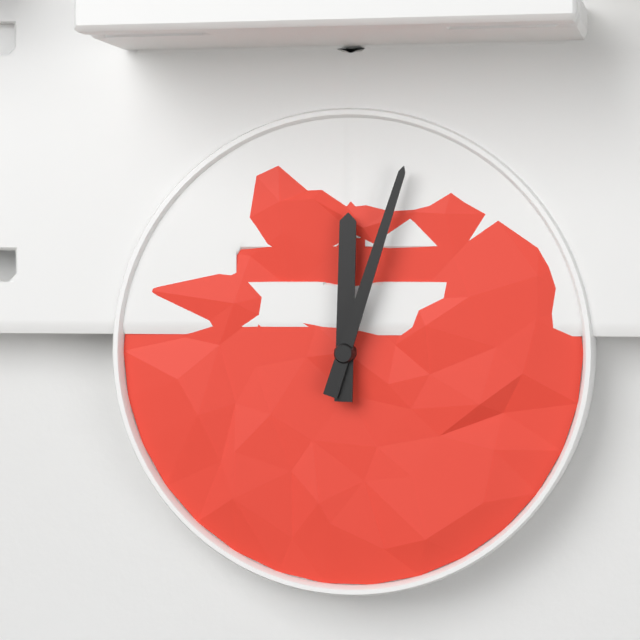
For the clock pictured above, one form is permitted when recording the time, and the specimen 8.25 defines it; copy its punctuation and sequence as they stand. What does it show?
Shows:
12.03
